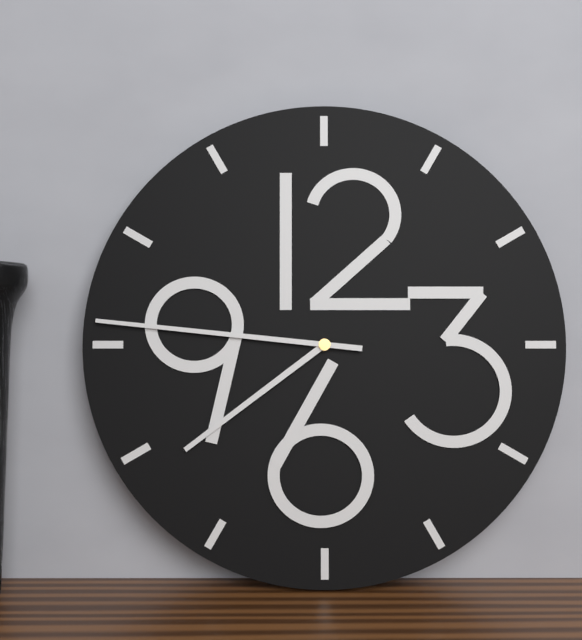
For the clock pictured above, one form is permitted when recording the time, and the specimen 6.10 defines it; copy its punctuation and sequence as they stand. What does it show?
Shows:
7.46
